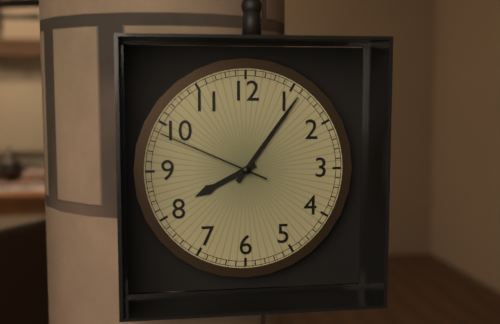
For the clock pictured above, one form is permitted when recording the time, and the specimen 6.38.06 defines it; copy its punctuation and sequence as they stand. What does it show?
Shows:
8.06.49
